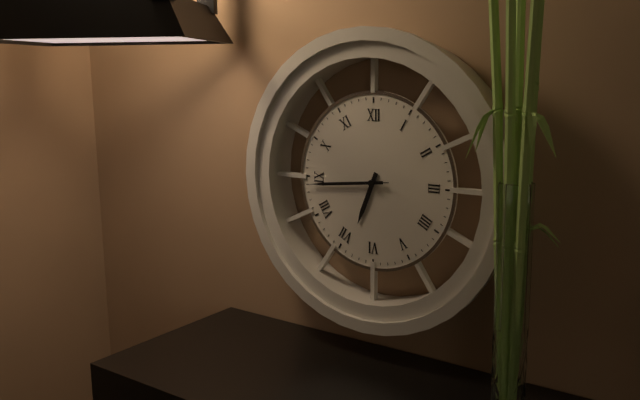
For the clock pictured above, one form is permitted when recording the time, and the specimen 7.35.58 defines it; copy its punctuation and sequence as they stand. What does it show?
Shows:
6.44.44
